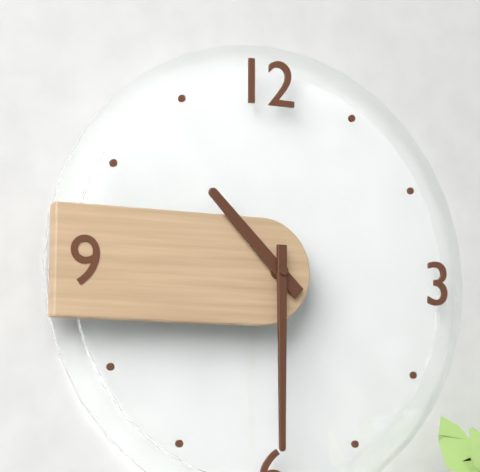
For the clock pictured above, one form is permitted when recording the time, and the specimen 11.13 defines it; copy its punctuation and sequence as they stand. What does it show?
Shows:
10.30
